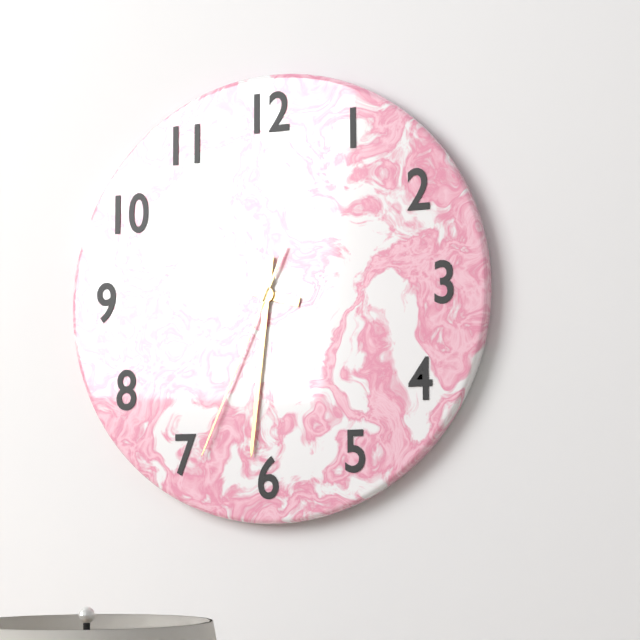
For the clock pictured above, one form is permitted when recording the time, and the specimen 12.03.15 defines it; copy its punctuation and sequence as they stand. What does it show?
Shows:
9.31.34
